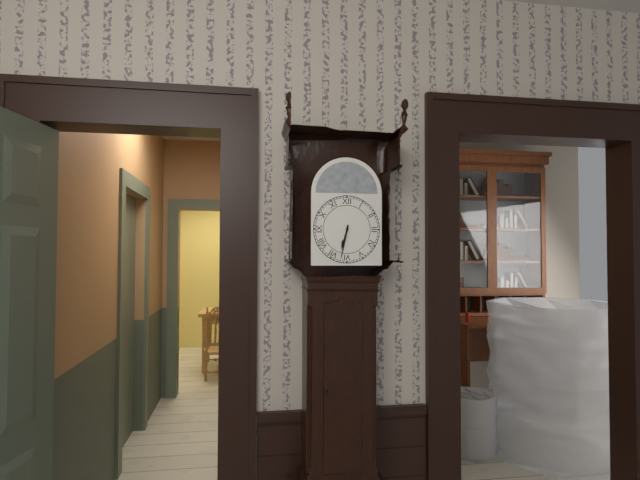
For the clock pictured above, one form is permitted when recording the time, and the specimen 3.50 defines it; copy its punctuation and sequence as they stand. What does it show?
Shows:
6.32
